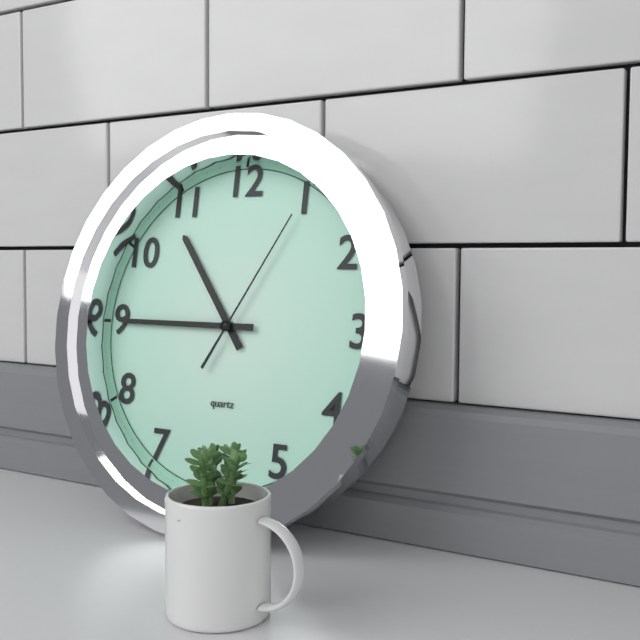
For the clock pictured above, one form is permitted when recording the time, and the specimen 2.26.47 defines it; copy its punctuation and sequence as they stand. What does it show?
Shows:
10.45.05
